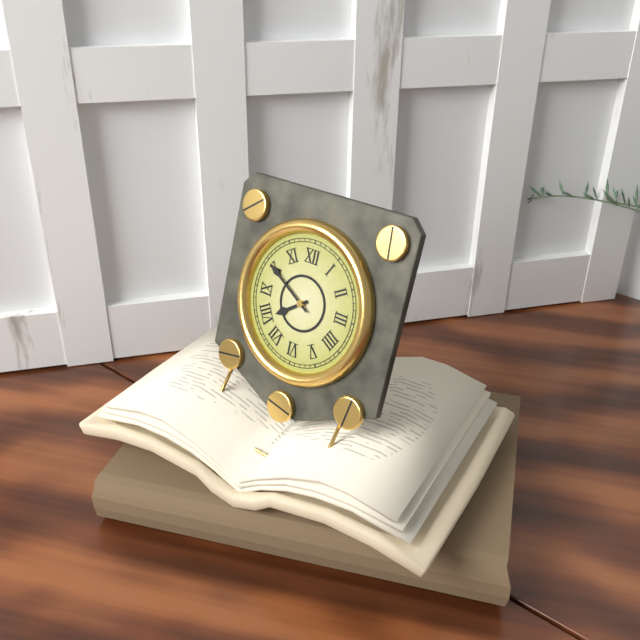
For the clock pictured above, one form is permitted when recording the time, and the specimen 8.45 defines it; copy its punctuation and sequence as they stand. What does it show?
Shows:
7.50
